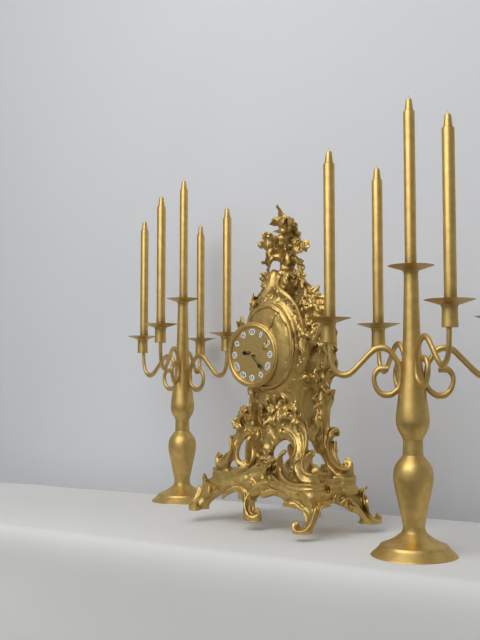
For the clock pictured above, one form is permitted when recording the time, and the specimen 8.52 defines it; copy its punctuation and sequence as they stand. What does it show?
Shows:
9.23
